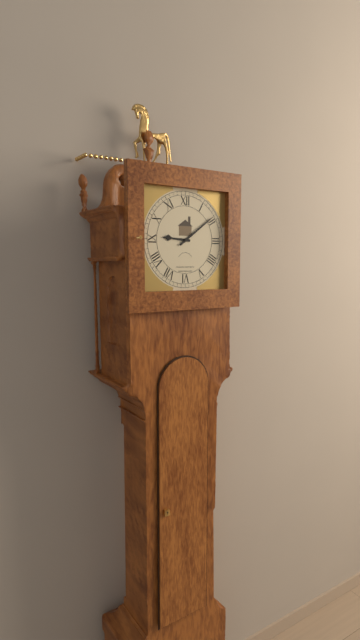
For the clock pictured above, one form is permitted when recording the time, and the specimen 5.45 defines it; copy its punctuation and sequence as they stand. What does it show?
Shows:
9.09
